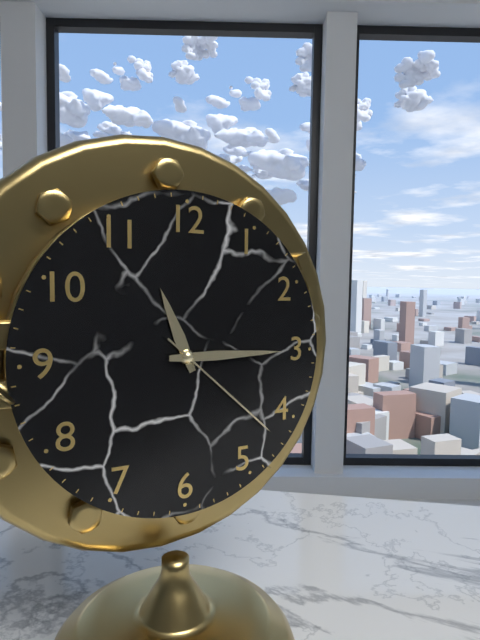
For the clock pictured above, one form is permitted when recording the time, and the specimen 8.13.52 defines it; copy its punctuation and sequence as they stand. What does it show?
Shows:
11.15.22
